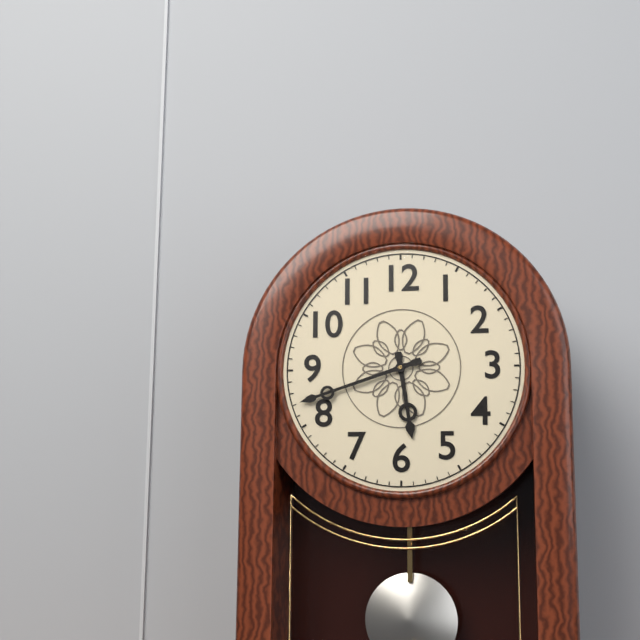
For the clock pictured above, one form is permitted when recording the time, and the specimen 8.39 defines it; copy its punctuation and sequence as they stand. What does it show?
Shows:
5.42
